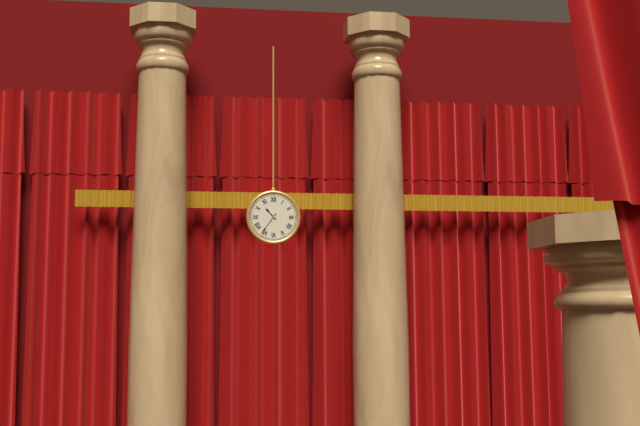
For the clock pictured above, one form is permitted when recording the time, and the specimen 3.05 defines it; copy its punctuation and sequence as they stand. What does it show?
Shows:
10.36
